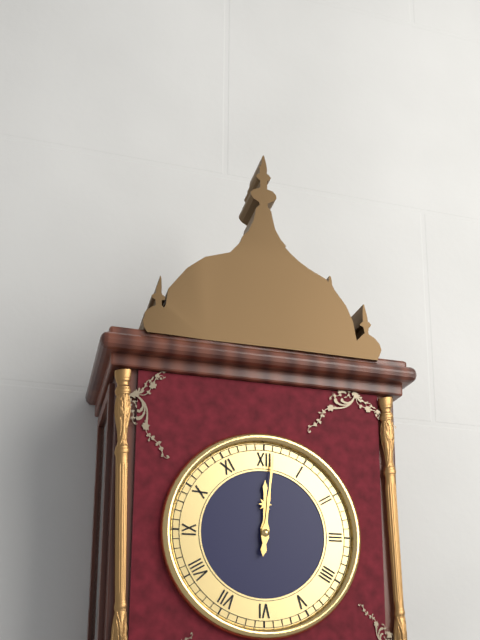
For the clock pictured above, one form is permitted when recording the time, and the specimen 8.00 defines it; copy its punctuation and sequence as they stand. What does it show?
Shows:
12.01
